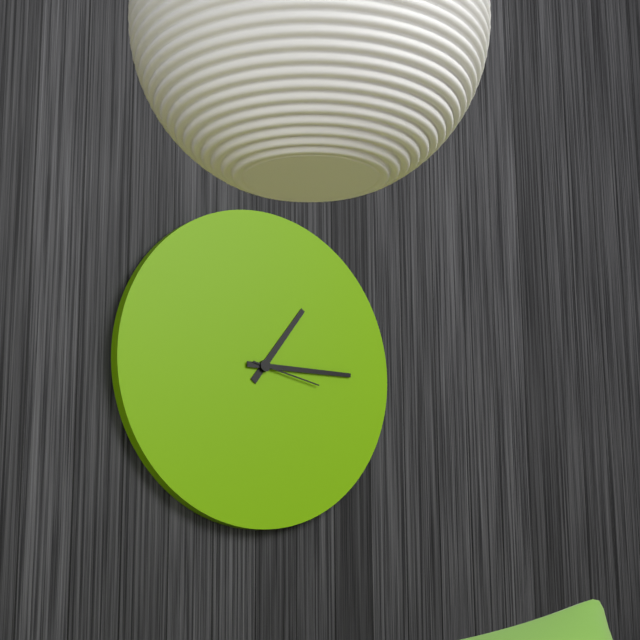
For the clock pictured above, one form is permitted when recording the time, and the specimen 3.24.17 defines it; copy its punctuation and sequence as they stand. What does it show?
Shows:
1.15.17
